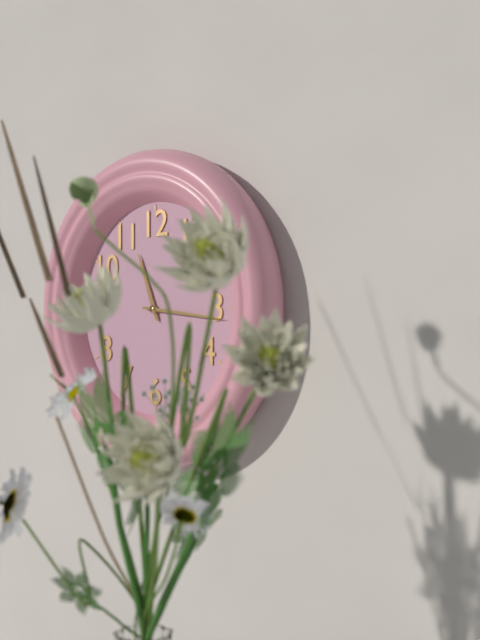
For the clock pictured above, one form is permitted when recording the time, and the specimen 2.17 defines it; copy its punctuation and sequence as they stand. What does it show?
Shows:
11.16
